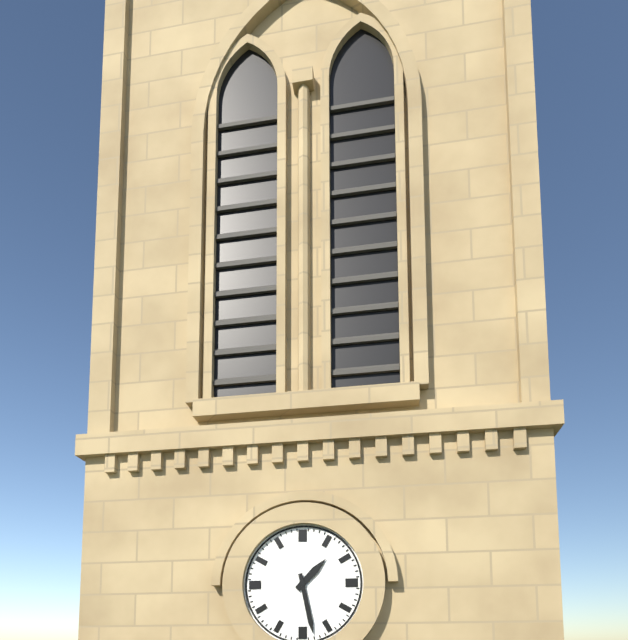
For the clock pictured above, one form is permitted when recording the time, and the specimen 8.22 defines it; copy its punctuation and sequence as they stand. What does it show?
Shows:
1.28
